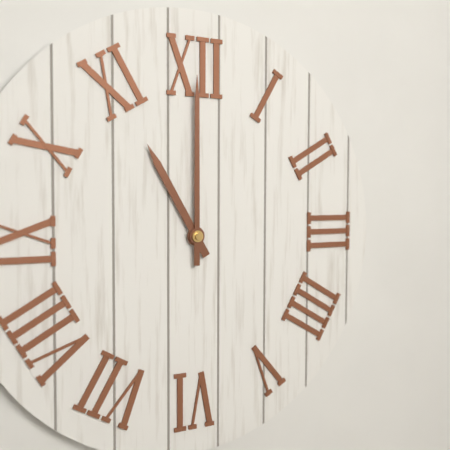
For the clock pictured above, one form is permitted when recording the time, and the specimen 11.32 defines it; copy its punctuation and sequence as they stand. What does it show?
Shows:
11.00
